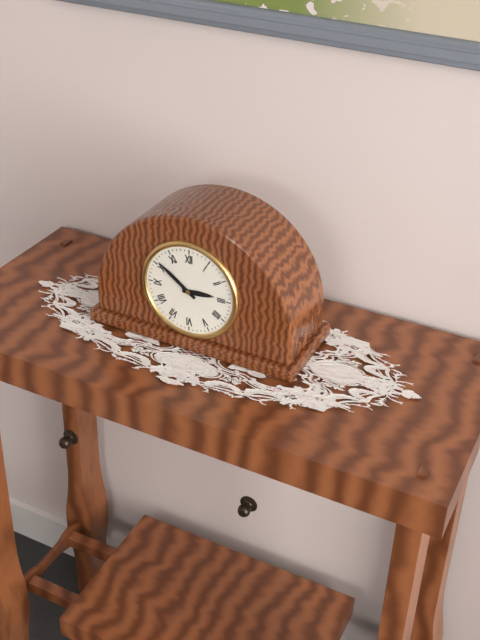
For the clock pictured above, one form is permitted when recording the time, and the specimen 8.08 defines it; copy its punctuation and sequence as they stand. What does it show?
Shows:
2.51
